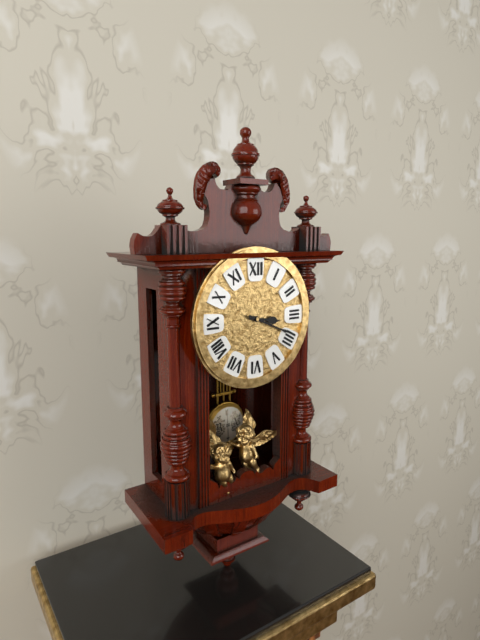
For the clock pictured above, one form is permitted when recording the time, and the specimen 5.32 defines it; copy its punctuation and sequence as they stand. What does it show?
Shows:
3.19
